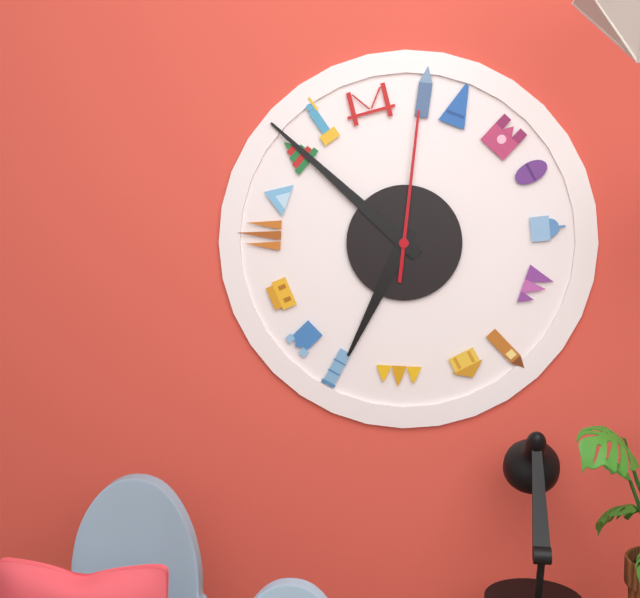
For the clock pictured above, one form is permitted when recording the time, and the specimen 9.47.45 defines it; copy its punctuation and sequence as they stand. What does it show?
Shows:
6.52.01
